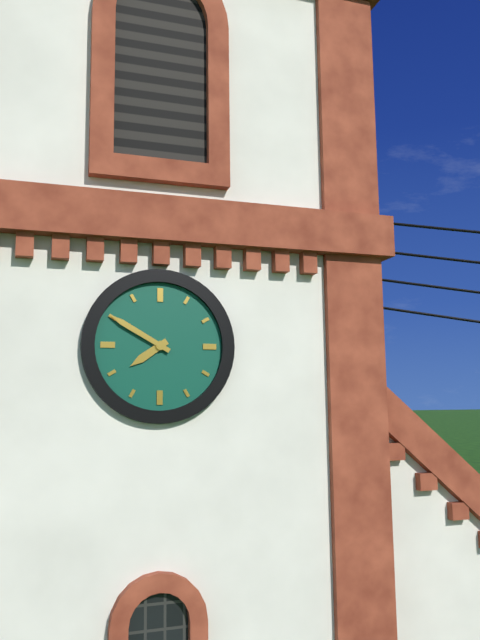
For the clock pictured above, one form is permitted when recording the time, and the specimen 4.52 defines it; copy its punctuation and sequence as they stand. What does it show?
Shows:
7.50
